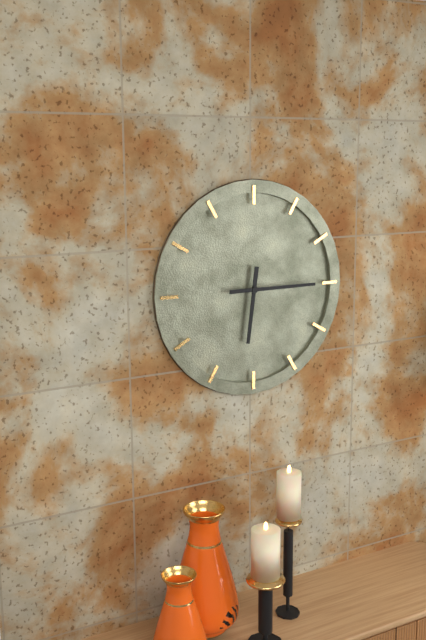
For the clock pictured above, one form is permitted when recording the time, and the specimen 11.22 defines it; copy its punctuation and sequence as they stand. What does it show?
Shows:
6.15
